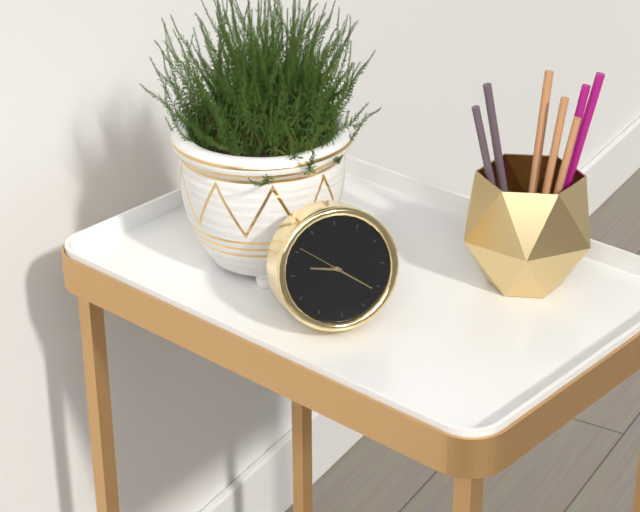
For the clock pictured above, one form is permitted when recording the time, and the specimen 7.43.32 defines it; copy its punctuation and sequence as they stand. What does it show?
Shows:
9.21.51
